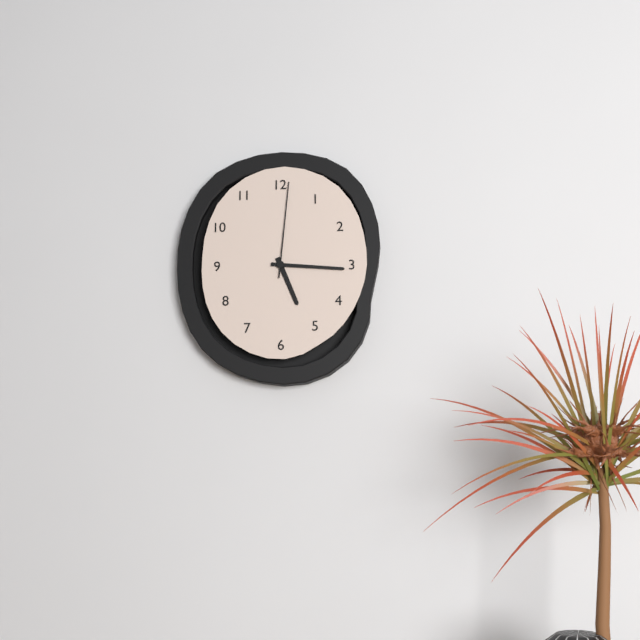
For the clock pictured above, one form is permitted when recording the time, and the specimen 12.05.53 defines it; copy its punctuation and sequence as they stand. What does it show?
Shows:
5.16.01
